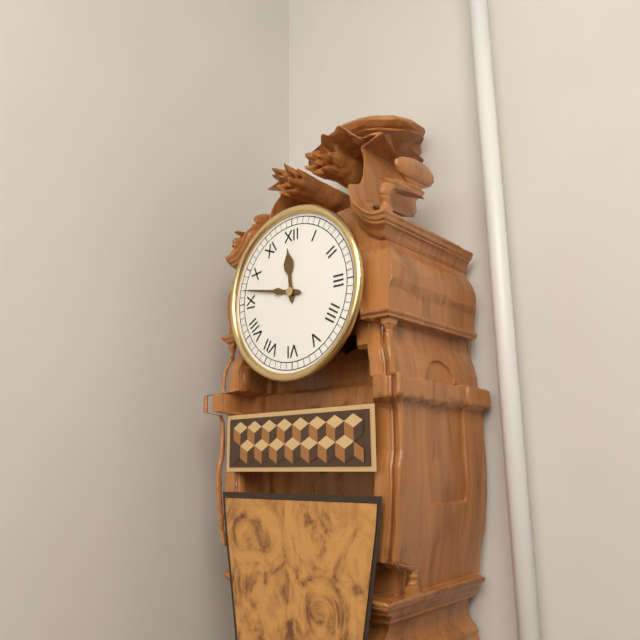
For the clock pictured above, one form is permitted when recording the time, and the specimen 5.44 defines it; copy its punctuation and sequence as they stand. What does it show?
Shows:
11.47
